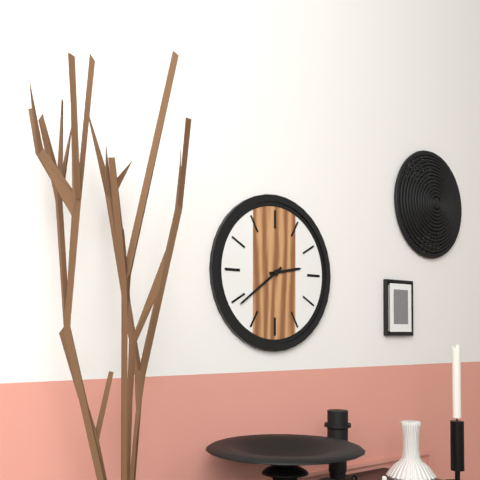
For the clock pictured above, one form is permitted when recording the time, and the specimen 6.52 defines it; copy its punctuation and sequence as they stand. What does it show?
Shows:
2.39
